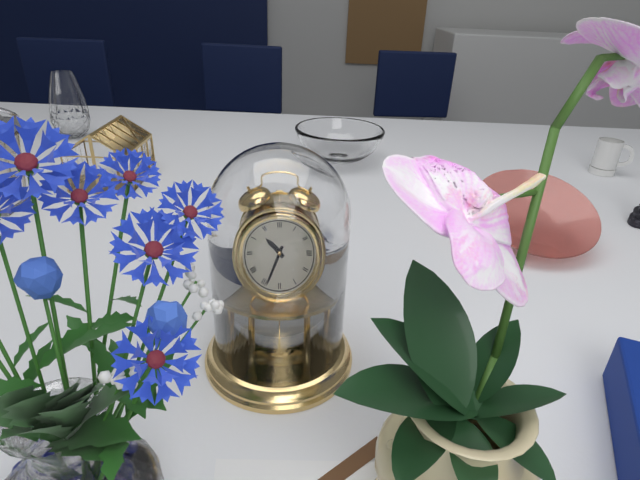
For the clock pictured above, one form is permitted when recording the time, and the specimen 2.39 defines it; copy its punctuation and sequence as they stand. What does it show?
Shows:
10.34
